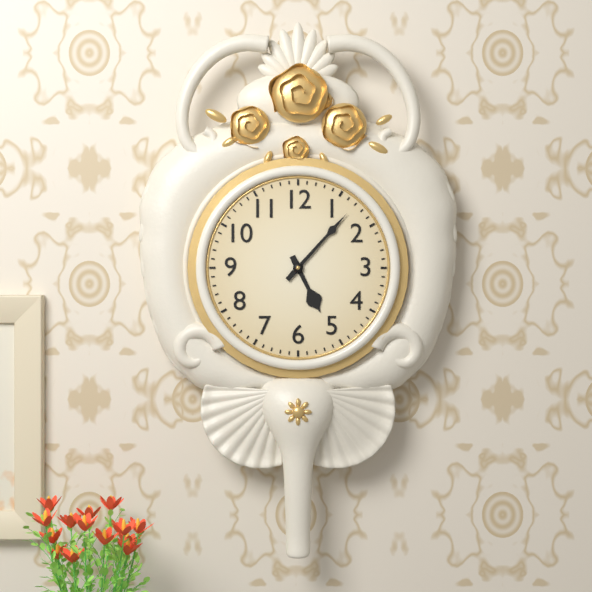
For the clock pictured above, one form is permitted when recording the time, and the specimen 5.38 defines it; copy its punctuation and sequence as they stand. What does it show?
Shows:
5.07
